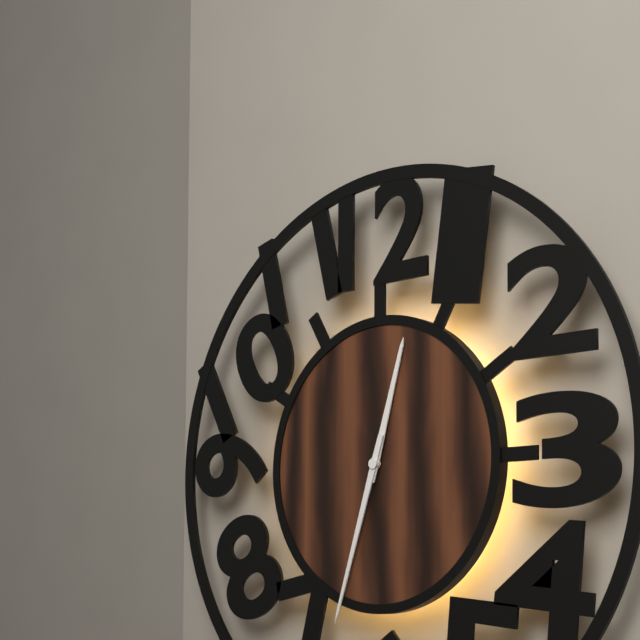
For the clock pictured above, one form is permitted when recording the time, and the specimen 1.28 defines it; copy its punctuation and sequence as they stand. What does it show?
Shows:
12.33
